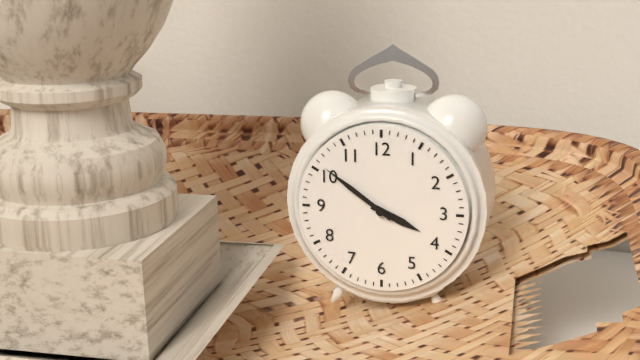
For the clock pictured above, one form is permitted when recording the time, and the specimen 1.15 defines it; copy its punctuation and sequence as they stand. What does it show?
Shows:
3.51
